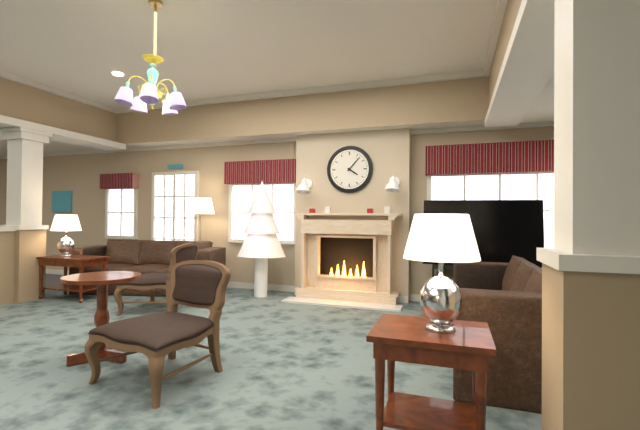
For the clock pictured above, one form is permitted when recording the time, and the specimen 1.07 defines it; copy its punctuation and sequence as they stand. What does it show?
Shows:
4.07
